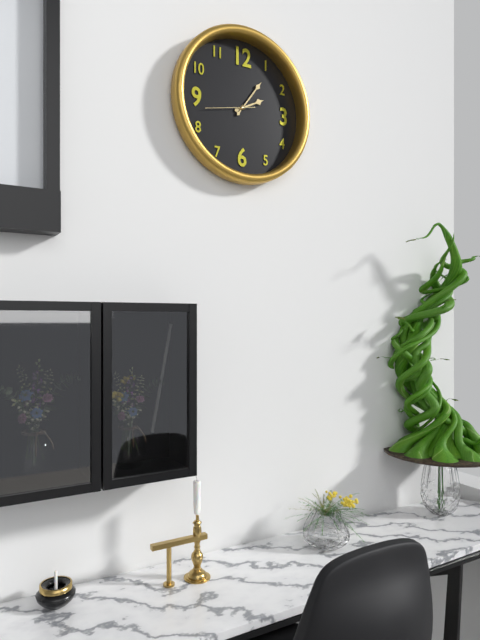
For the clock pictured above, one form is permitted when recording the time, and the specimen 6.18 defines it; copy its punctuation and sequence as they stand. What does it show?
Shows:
2.06
